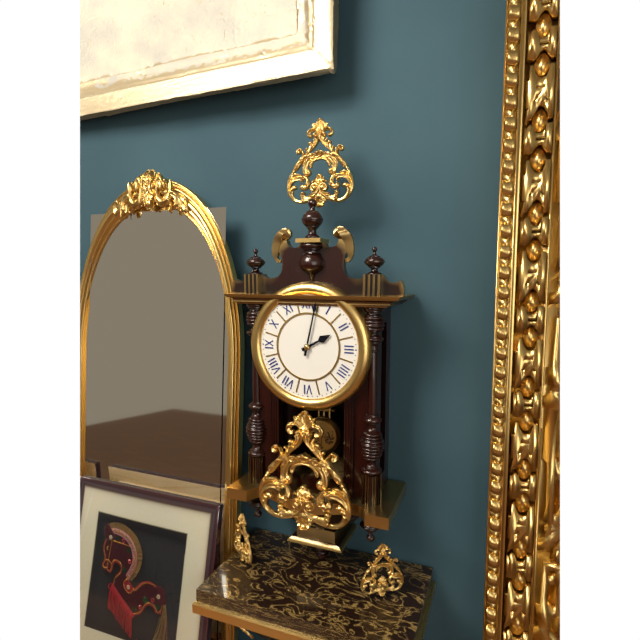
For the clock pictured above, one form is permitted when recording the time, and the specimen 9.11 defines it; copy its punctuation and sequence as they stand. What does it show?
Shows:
2.02
